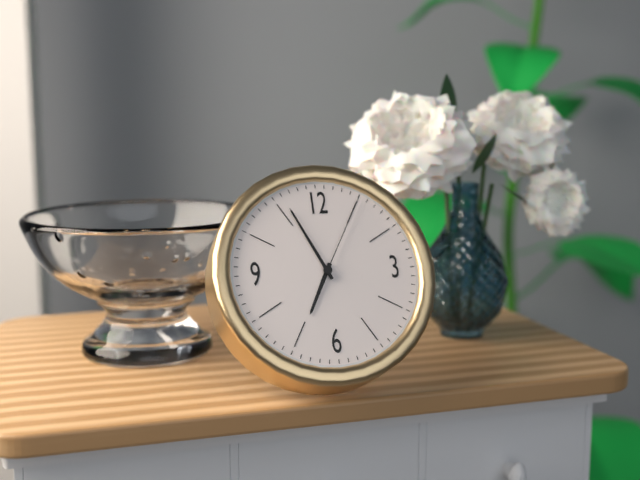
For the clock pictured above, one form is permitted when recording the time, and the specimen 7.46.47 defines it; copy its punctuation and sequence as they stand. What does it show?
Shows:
6.56.05
